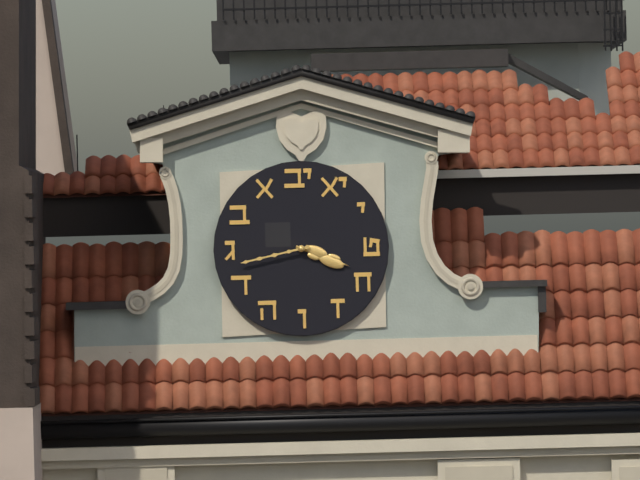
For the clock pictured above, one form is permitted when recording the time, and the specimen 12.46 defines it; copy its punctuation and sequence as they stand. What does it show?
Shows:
3.43
